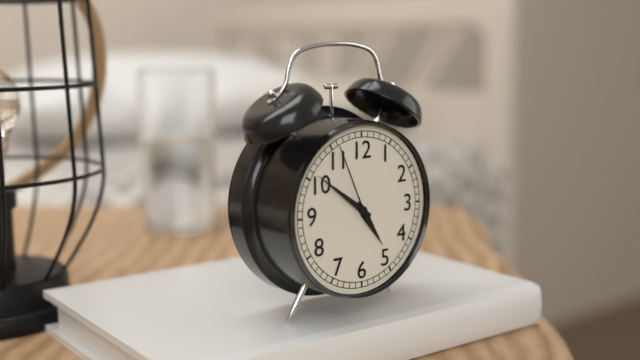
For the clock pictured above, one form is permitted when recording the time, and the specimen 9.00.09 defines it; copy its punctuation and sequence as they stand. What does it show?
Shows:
4.51.56
